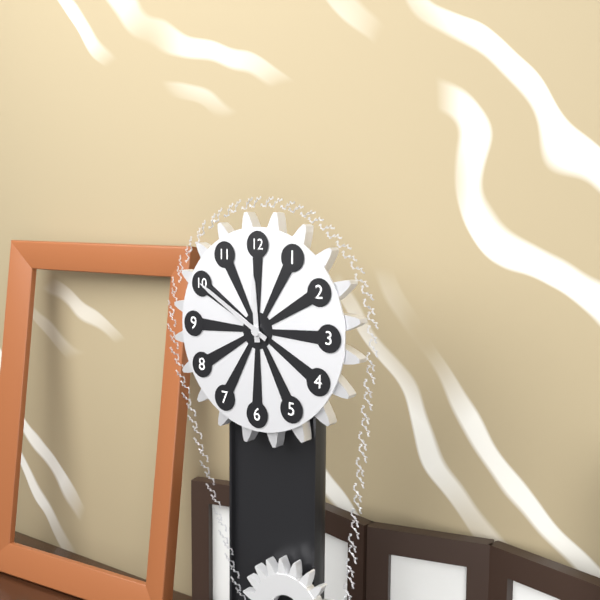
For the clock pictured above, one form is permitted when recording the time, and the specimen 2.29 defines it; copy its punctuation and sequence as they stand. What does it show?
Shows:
11.50
